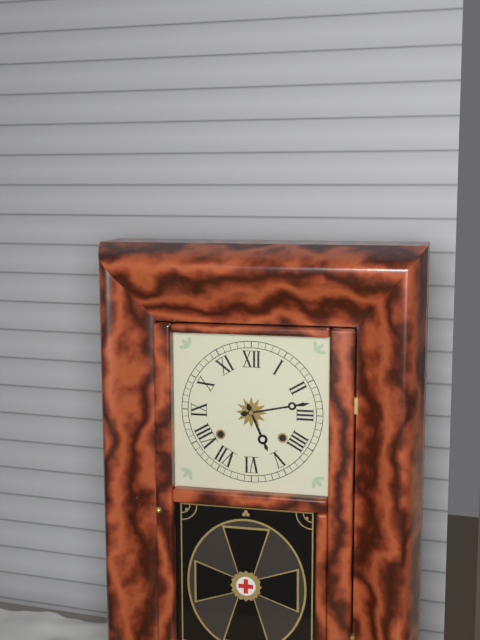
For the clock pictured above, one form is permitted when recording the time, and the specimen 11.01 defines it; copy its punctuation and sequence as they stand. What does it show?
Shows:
5.13
